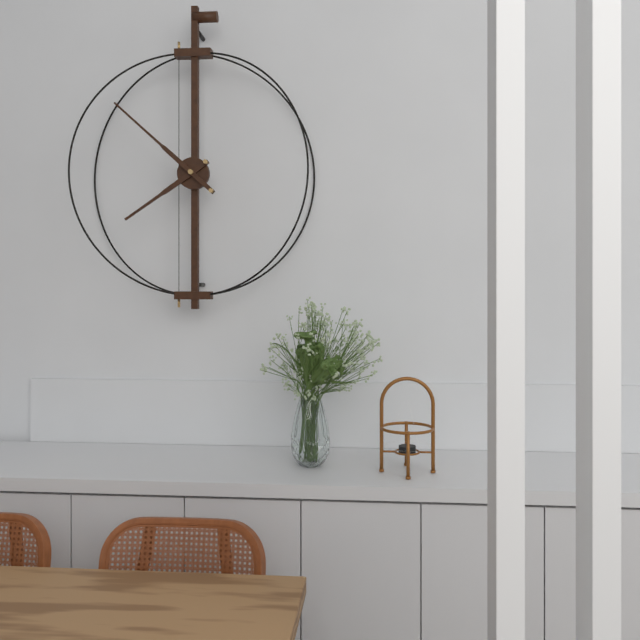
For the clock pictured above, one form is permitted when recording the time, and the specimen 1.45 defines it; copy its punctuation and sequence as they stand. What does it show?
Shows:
7.52
